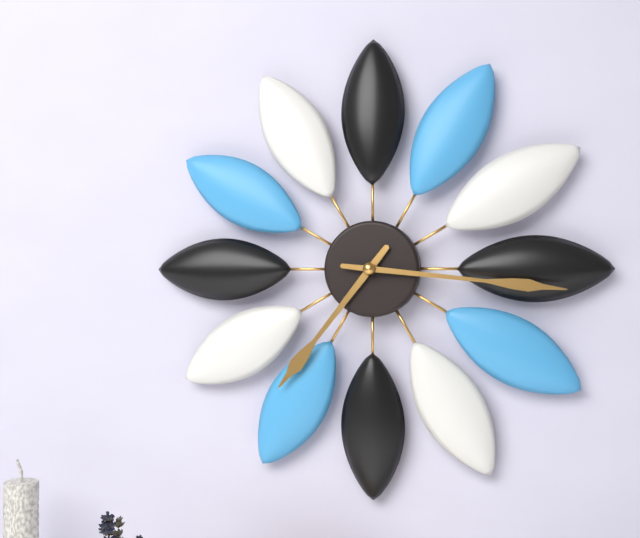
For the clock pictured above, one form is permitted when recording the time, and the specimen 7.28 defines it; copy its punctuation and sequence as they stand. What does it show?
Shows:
7.16
